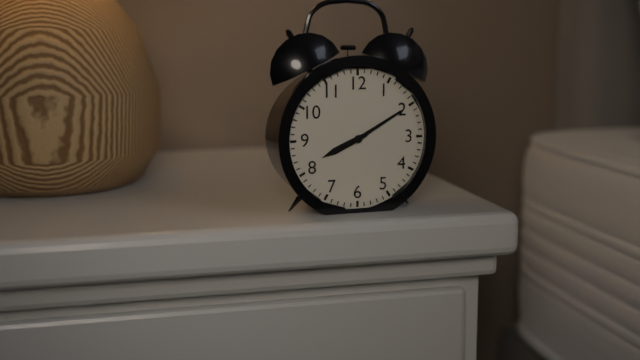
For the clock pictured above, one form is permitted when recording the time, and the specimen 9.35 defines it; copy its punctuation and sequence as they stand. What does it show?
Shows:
8.10
